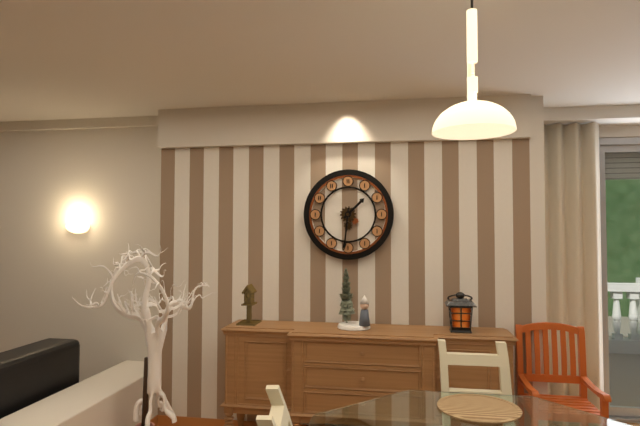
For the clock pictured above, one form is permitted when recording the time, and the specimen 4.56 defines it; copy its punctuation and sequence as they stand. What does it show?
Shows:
1.31
